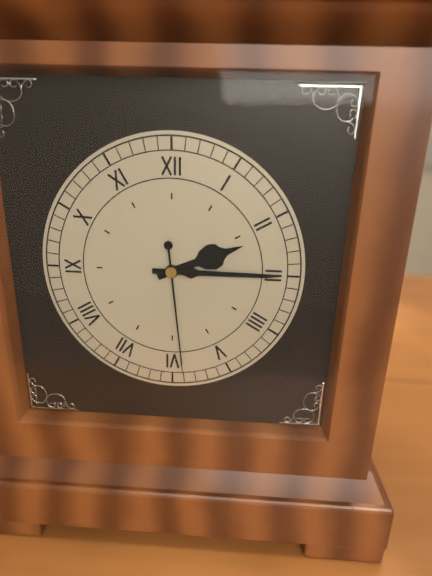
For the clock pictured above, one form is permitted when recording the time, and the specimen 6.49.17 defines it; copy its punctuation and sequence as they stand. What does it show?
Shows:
2.15.29
